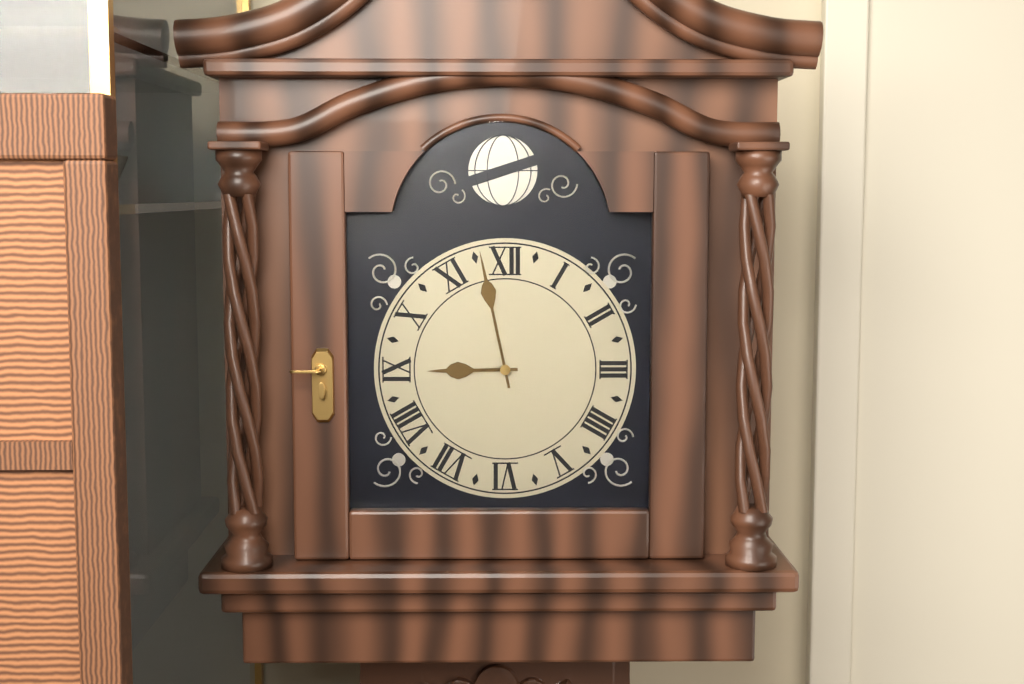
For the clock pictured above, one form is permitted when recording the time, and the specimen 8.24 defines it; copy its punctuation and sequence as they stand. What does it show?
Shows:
8.58
